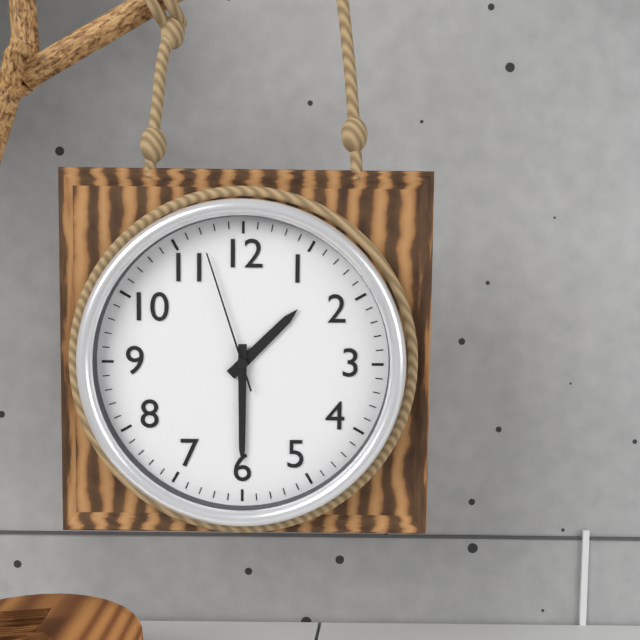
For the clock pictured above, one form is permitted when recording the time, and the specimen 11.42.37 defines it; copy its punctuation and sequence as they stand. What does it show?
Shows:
1.30.57
